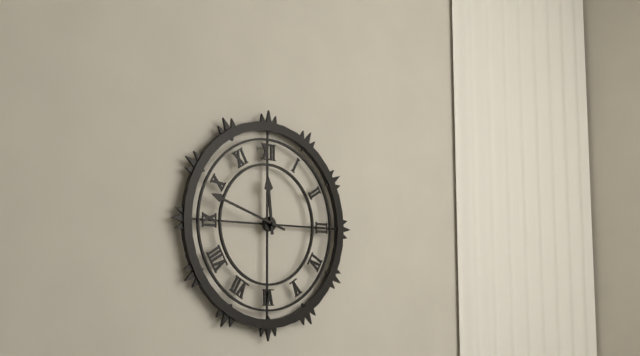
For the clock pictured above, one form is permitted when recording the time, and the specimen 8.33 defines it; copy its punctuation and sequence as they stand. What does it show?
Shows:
11.48
